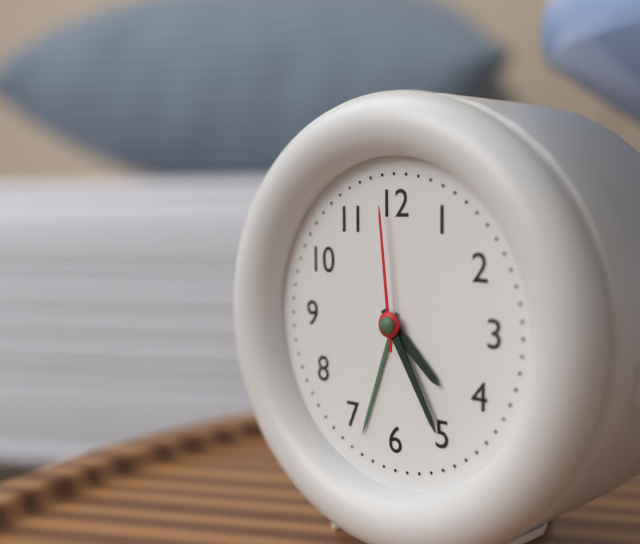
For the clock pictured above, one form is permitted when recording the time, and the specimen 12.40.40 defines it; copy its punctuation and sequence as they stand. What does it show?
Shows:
4.25.59
